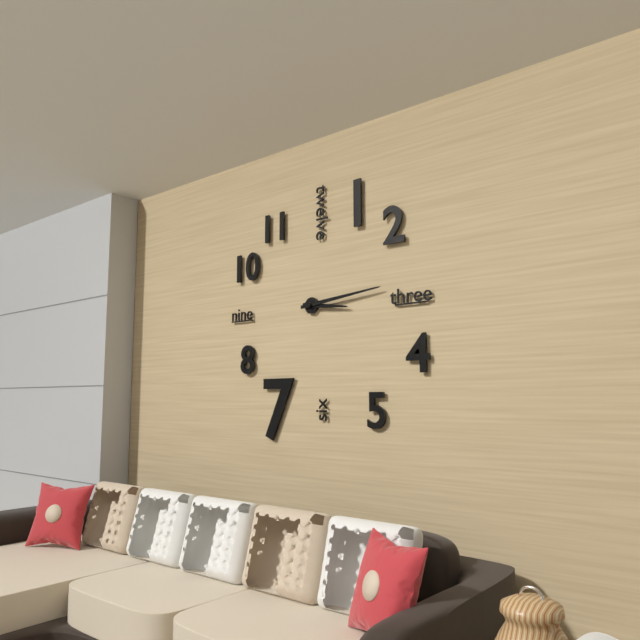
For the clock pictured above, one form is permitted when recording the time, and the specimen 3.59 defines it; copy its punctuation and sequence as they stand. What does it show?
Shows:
3.14
